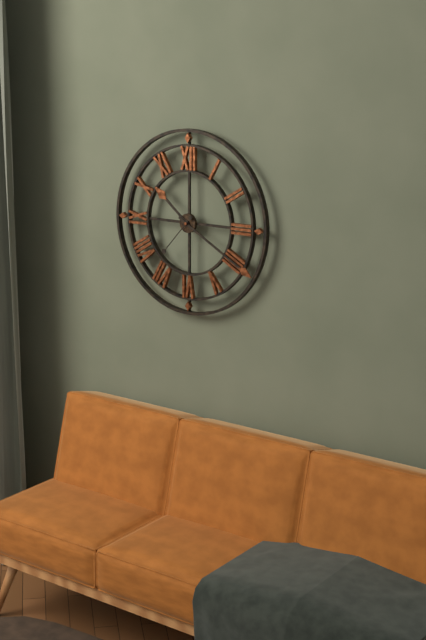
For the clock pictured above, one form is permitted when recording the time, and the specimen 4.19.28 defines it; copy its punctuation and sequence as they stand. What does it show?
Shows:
10.20.37
